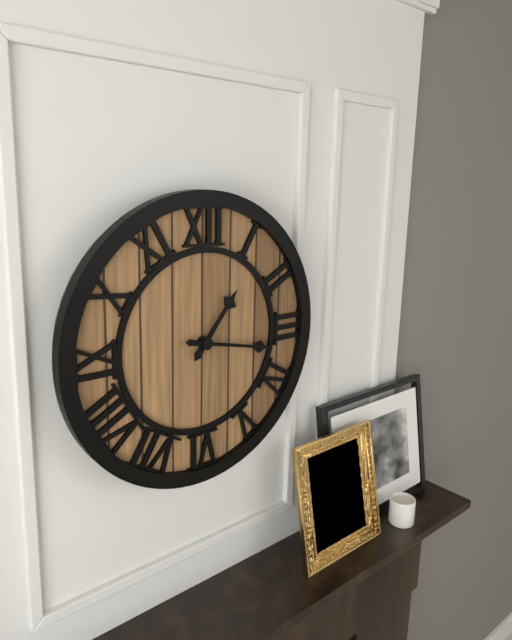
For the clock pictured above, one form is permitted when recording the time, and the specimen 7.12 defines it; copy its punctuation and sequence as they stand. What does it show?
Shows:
1.17
